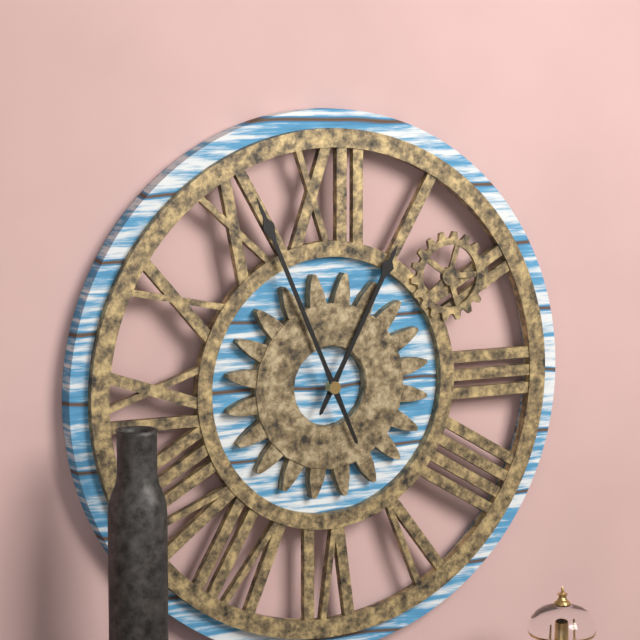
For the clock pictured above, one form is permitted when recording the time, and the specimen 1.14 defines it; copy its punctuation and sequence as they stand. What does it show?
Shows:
12.56
